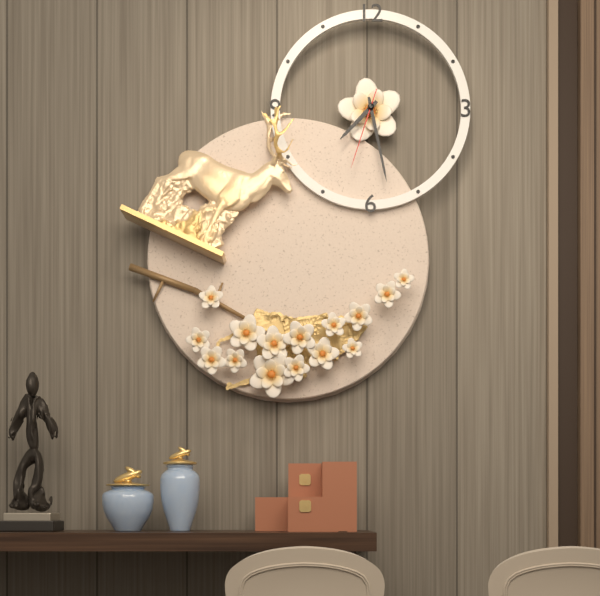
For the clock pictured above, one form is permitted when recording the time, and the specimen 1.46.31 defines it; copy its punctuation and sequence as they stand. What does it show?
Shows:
7.28.33
